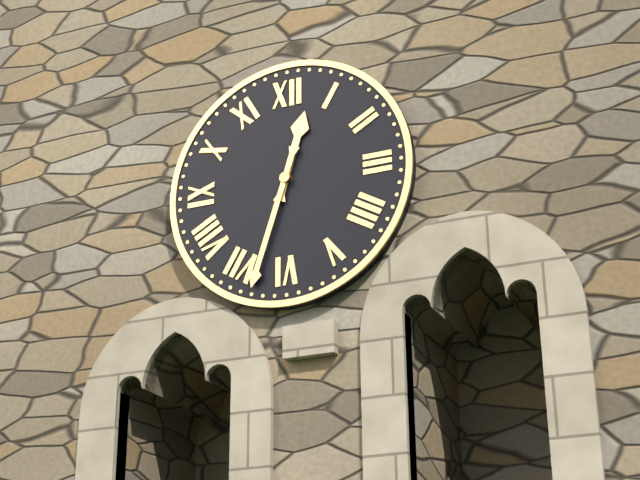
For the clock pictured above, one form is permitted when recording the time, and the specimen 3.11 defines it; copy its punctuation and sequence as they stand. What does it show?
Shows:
12.33
